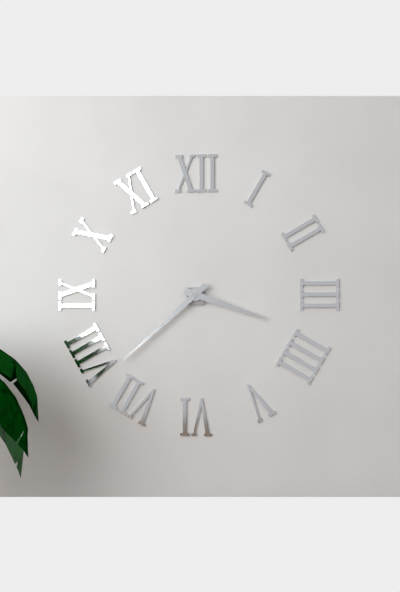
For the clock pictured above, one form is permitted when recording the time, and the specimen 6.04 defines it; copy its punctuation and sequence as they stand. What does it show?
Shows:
3.38
